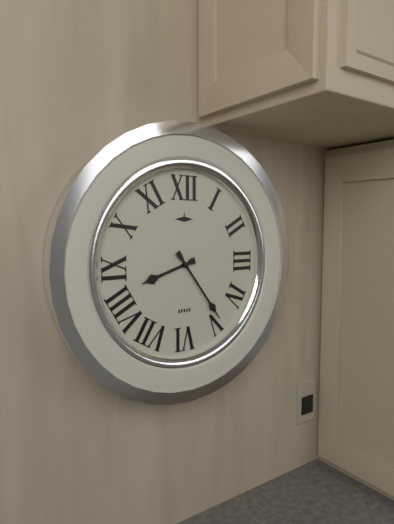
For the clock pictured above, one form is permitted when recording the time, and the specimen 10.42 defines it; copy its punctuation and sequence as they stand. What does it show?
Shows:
8.24
